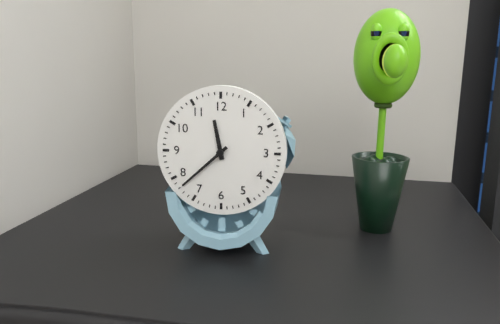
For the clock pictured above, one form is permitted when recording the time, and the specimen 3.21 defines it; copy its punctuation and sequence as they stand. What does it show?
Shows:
11.38
